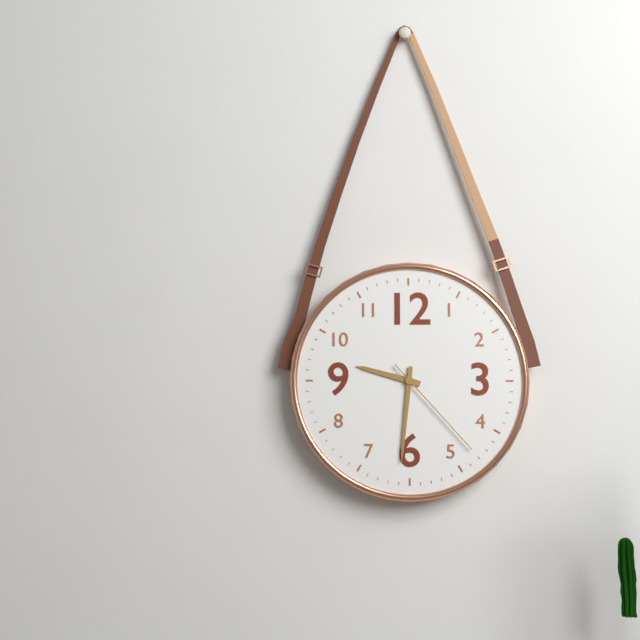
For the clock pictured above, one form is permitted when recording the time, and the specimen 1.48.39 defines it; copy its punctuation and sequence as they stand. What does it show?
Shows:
9.31.23
